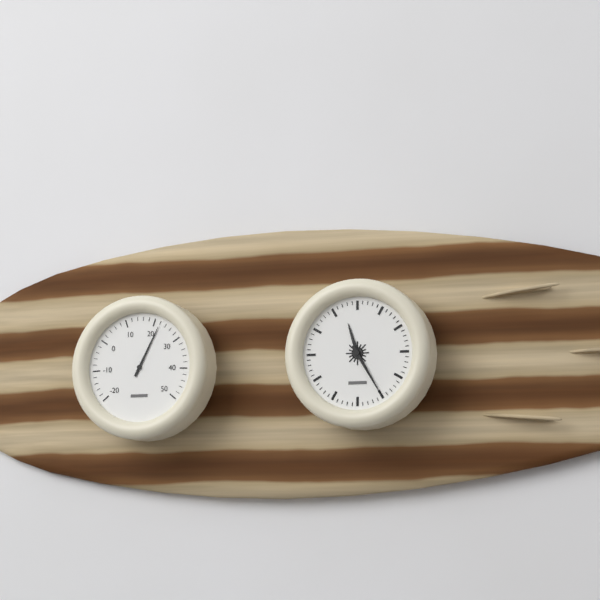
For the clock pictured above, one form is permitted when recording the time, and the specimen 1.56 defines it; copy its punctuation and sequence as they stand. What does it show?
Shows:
11.25
